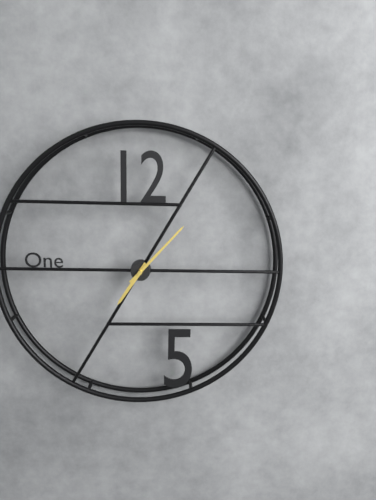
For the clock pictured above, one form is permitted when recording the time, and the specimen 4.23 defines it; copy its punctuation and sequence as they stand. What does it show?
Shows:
7.07
